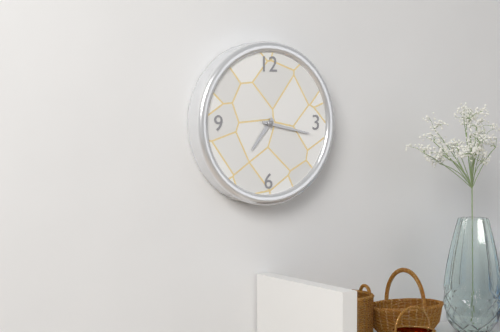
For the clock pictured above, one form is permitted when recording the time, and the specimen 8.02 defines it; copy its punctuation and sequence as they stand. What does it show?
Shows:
7.17
